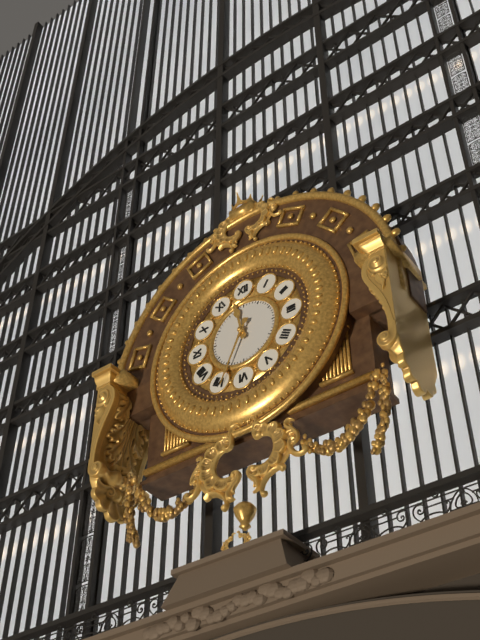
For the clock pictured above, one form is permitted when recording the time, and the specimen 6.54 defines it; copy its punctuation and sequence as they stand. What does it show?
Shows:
11.34
